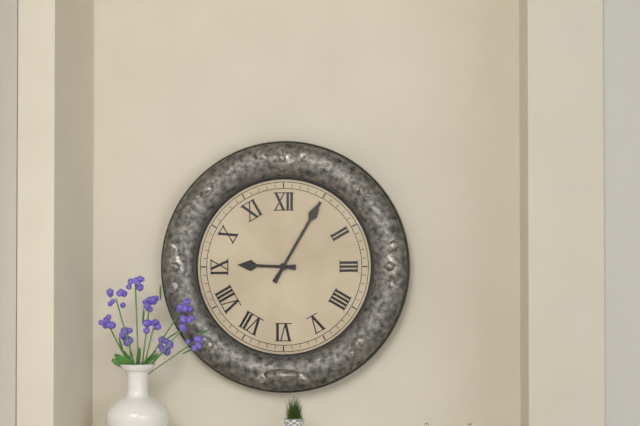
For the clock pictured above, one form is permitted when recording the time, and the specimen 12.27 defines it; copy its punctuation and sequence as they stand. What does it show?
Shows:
9.05
